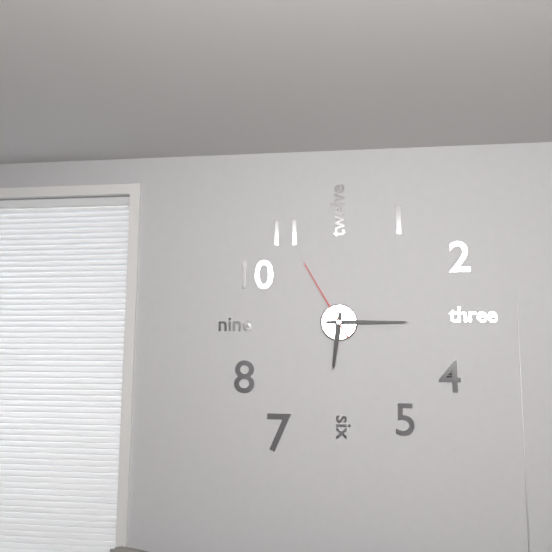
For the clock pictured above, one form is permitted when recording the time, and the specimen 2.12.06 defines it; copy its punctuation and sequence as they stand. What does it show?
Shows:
6.15.55
